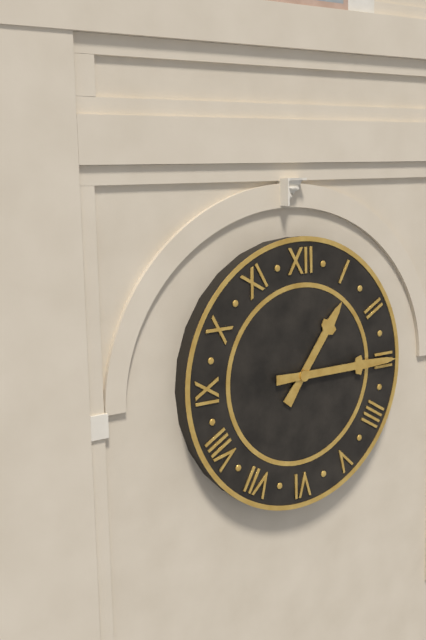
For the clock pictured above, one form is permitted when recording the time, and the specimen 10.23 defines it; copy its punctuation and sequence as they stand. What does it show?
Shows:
1.15
